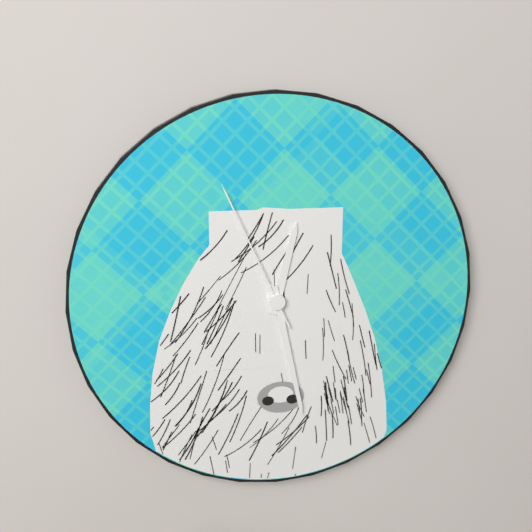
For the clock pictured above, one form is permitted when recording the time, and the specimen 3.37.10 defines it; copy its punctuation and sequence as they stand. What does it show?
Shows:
12.28.56
